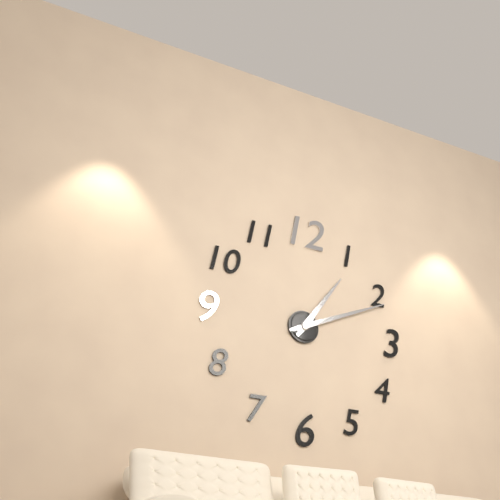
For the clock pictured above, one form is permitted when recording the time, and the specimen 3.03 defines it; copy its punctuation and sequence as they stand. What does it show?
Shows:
1.11
